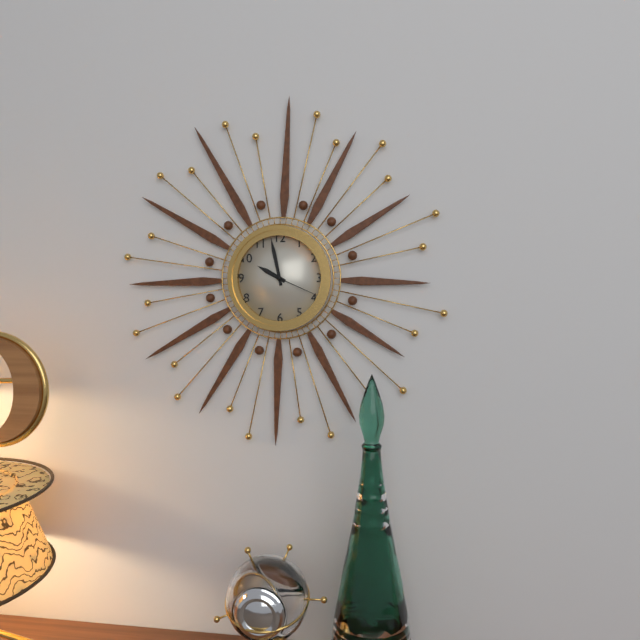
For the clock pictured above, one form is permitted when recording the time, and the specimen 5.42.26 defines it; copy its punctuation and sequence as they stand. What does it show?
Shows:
9.58.19
